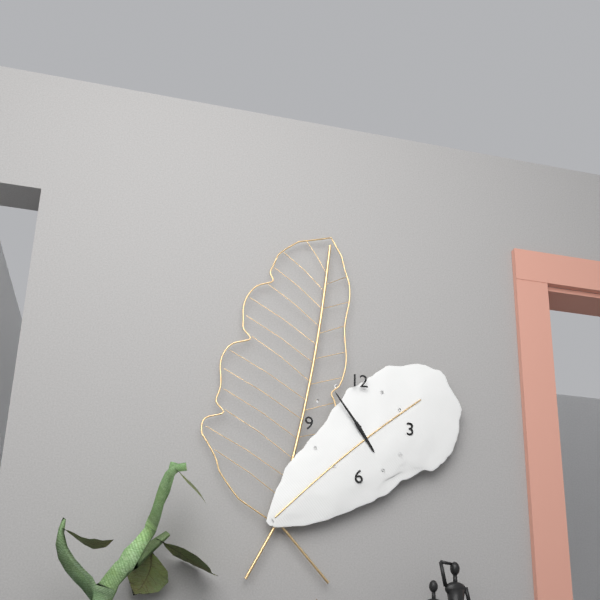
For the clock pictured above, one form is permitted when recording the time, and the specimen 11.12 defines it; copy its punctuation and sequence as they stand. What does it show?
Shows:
4.54
